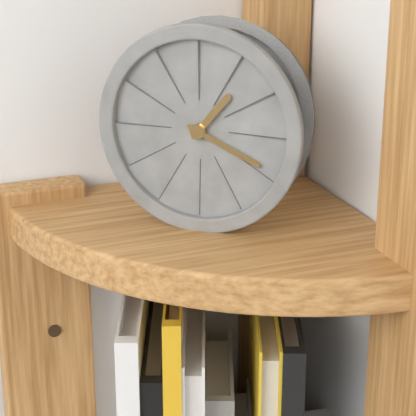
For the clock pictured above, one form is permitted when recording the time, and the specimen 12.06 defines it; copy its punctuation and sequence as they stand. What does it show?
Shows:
1.19
